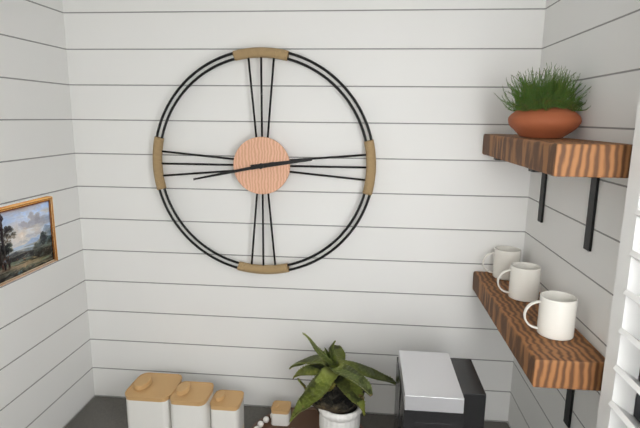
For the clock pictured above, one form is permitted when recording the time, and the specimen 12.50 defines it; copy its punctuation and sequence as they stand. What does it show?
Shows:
2.43
